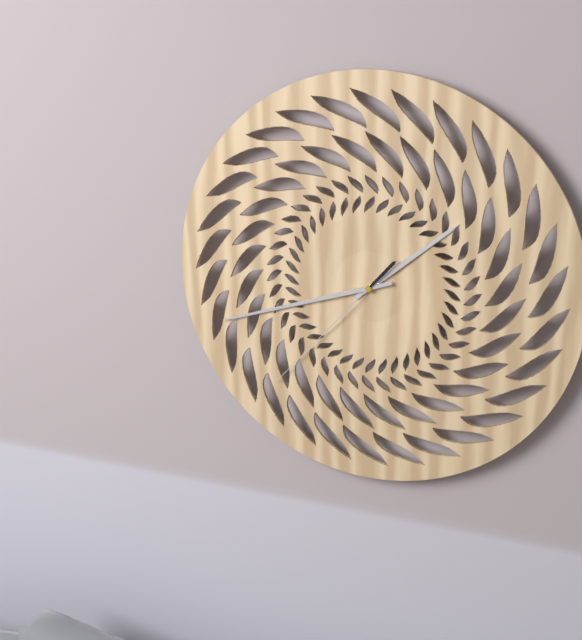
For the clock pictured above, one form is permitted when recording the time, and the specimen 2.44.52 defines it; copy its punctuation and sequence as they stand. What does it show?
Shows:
1.42.37
